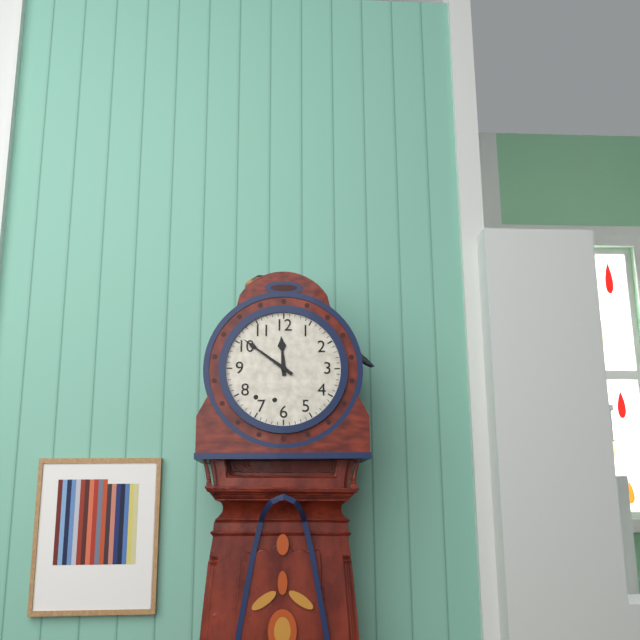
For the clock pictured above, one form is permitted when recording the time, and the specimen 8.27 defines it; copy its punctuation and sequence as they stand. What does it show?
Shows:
11.51
